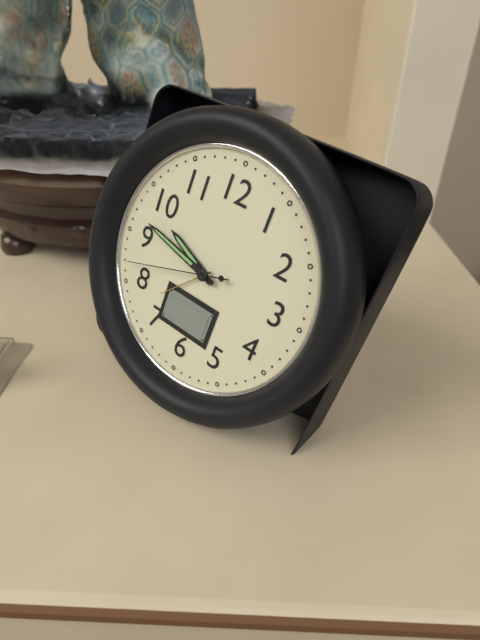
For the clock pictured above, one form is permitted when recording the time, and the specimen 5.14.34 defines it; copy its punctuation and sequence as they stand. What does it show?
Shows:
9.47.42
